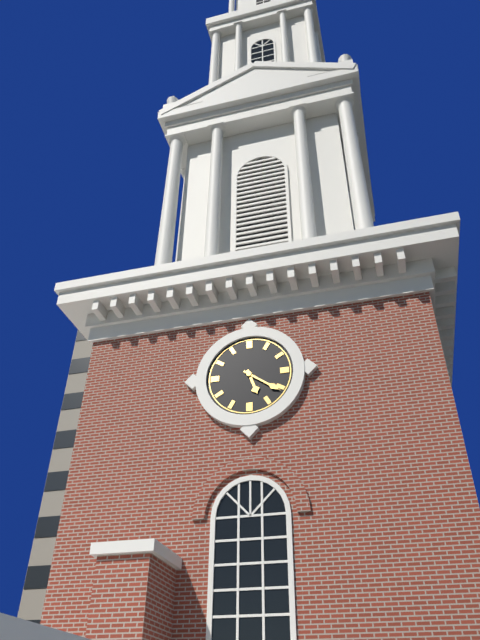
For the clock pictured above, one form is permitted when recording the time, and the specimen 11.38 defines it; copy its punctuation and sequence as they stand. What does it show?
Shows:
5.21
